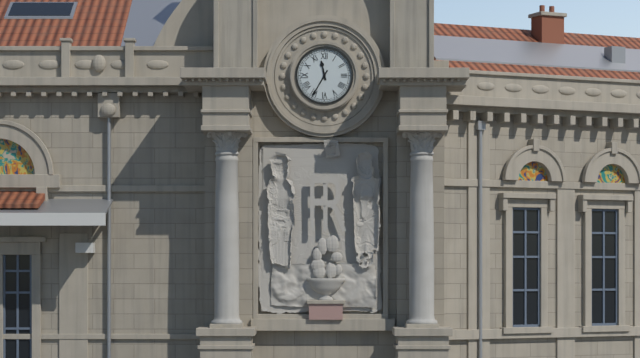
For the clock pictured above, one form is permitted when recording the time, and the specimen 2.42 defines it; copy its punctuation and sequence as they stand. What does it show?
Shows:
11.35
